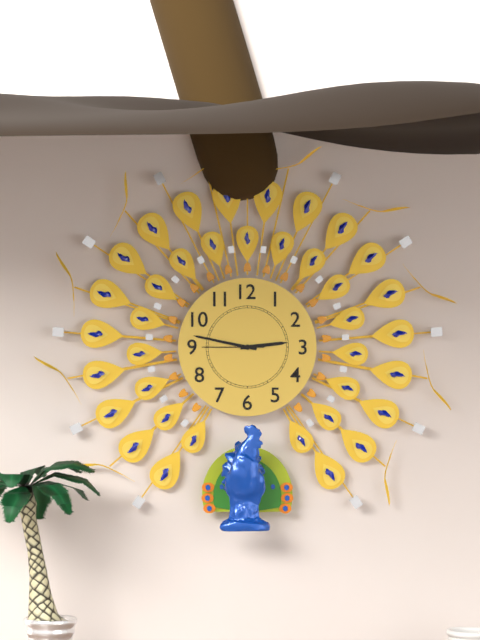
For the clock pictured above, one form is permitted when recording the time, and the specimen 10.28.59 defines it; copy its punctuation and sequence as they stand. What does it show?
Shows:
2.47.45
